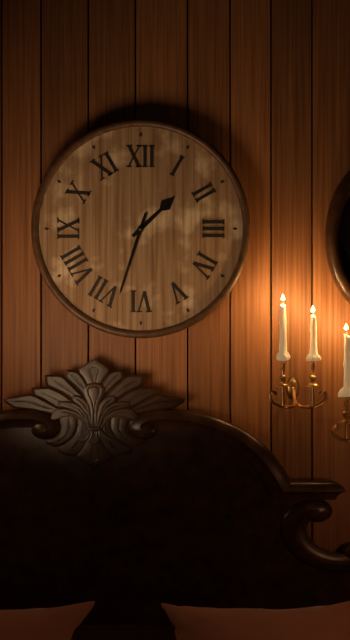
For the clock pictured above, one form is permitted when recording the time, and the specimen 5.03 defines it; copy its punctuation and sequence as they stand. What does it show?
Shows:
1.33
